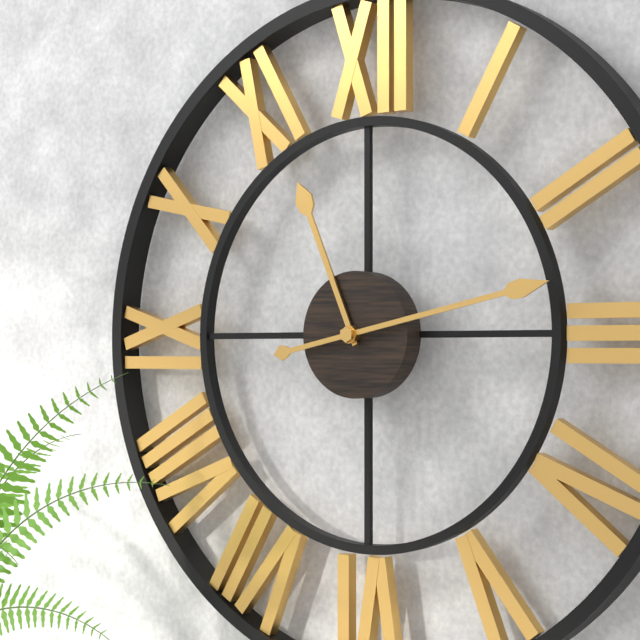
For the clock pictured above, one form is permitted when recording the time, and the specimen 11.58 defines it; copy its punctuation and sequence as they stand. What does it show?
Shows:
11.13
